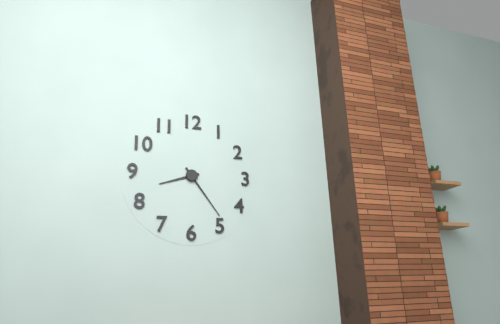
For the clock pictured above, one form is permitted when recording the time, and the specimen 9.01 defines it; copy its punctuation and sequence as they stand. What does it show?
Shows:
8.24
